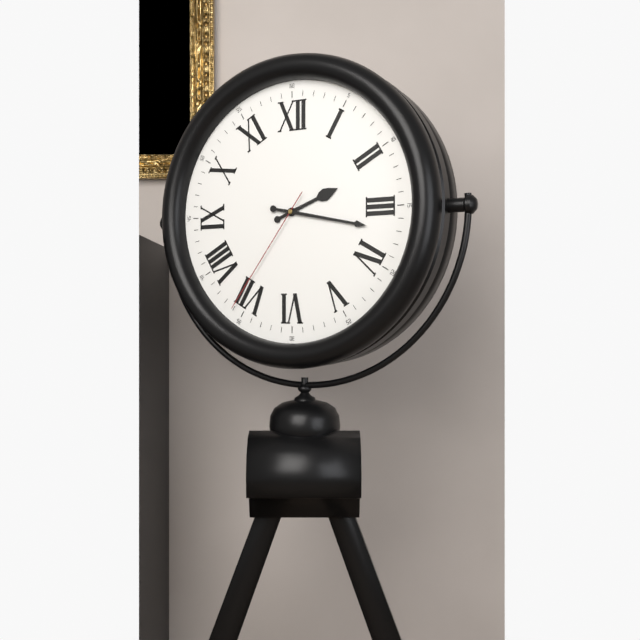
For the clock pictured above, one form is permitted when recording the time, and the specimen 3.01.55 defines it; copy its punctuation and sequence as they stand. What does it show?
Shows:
2.17.36
